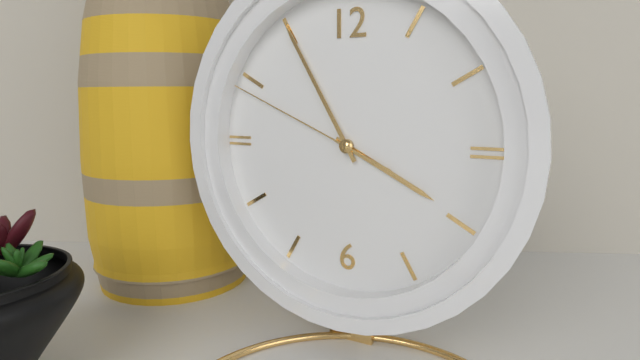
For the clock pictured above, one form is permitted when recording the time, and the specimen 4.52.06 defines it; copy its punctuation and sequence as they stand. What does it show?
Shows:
3.55.49
